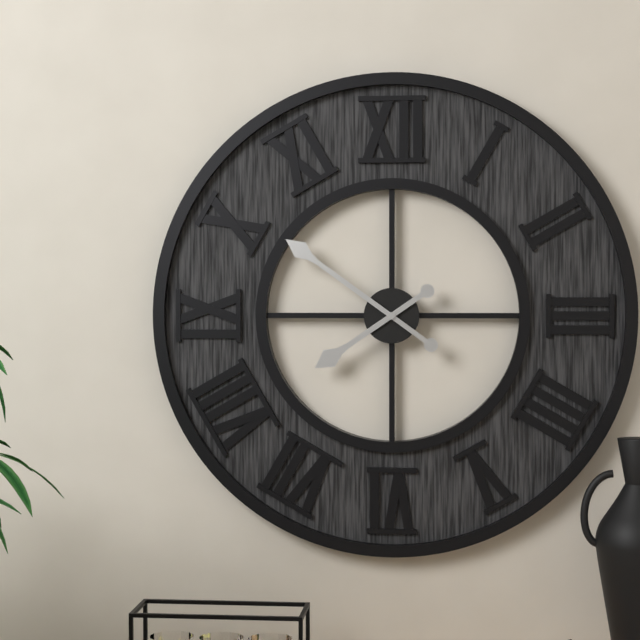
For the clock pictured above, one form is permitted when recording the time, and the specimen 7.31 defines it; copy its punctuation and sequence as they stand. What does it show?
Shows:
7.51
